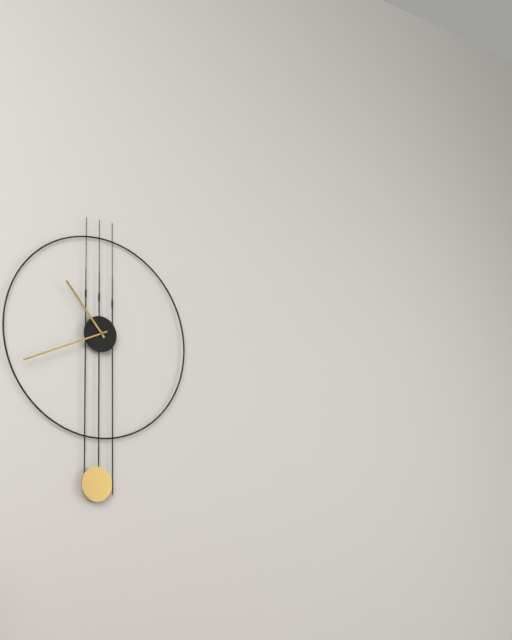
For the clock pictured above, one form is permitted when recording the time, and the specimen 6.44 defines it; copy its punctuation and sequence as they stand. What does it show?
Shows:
10.41
